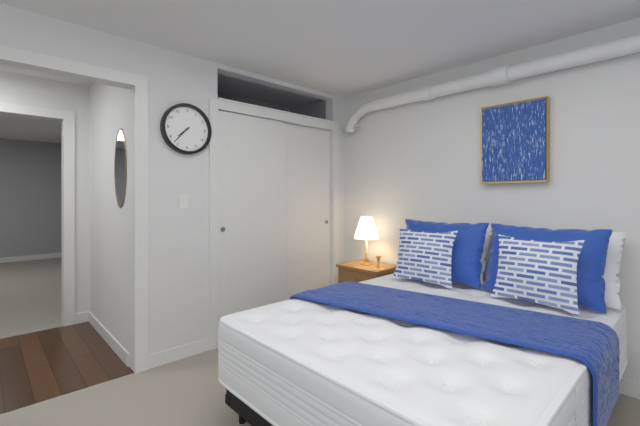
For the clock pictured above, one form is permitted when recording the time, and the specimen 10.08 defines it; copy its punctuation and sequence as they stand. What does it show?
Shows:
7.37
